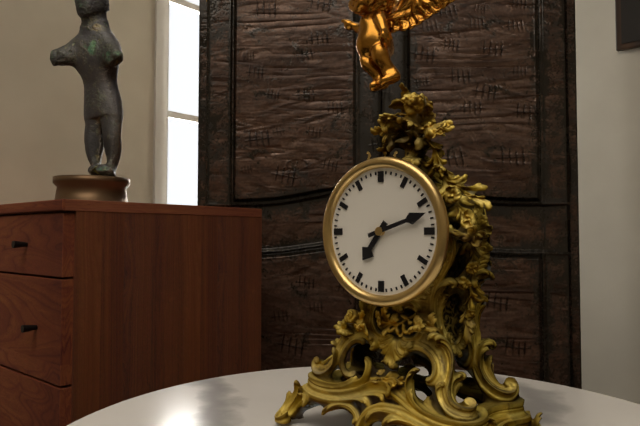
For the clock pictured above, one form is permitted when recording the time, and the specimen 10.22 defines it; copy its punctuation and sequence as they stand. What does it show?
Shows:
7.12
